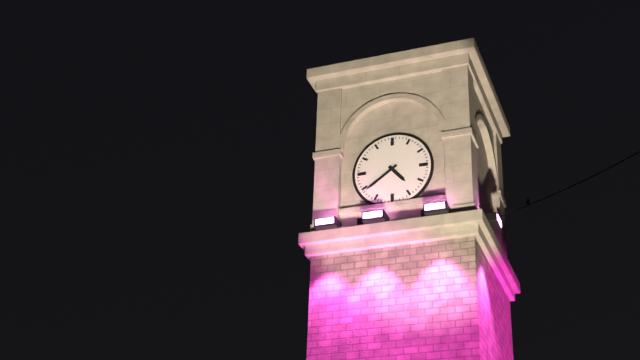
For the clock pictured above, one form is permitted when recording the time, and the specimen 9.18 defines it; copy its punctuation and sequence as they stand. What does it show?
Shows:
4.39
